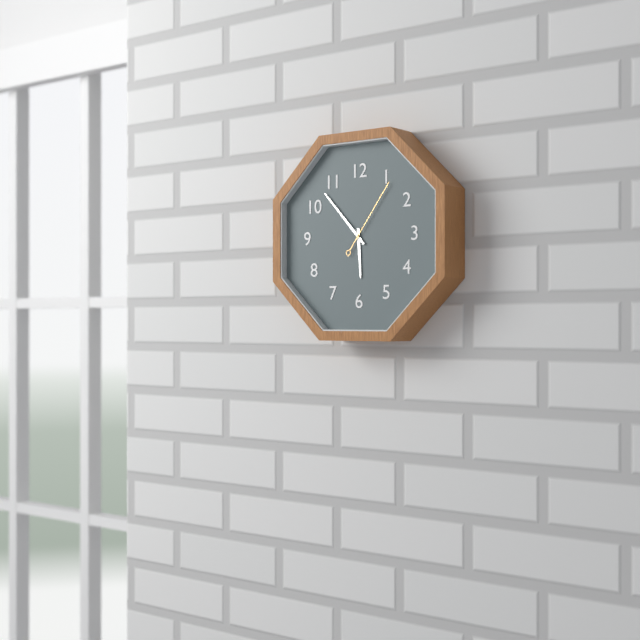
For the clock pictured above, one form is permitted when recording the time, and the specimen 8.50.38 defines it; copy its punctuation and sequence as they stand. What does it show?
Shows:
5.53.06
